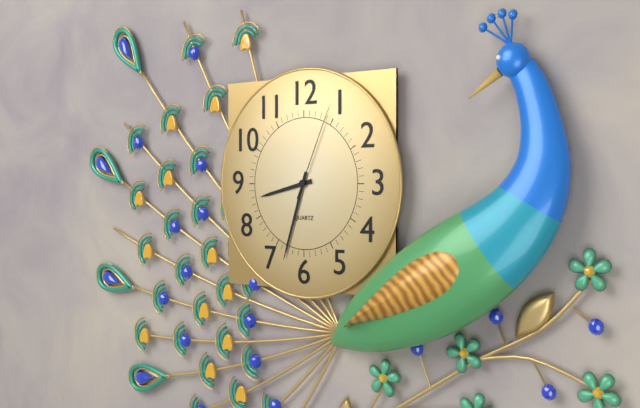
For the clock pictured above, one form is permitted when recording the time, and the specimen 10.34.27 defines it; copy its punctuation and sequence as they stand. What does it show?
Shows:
8.33.04
